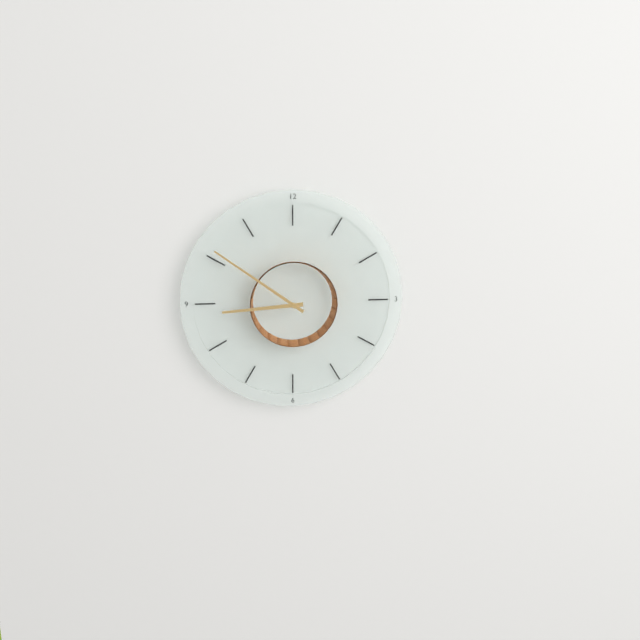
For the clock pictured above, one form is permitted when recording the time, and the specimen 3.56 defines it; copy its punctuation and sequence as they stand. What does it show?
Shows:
8.51
